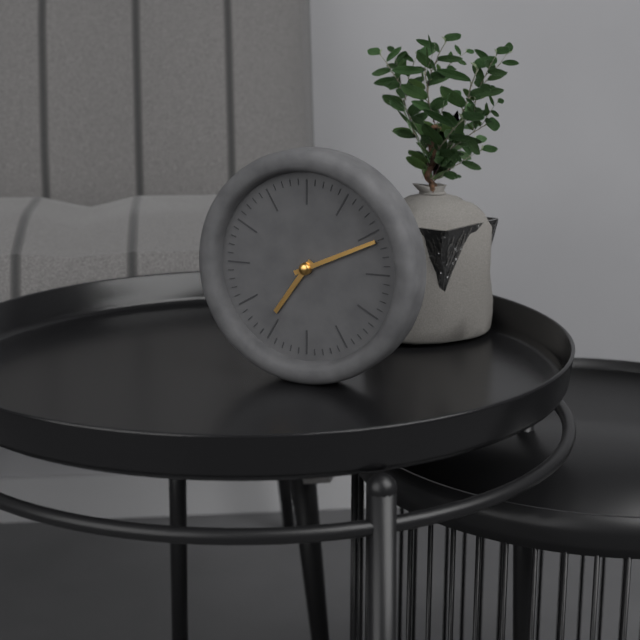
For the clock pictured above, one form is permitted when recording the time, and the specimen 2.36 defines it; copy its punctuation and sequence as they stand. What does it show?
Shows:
7.11
